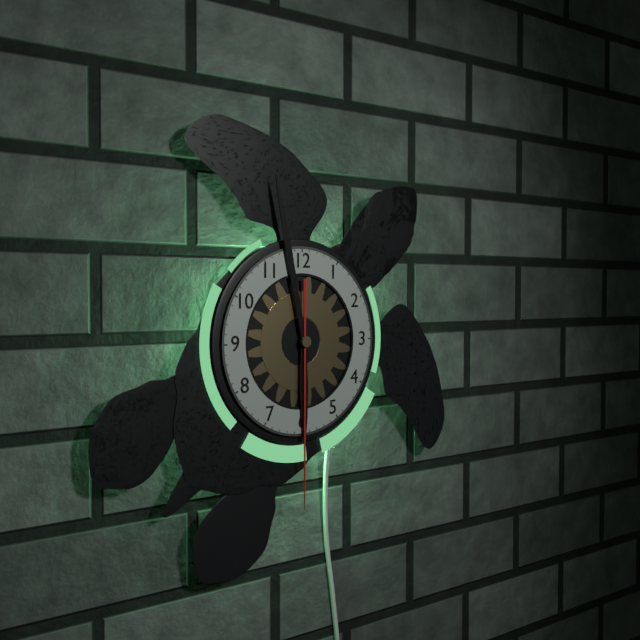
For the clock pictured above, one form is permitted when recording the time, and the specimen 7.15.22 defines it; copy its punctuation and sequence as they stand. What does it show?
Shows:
5.58.30
